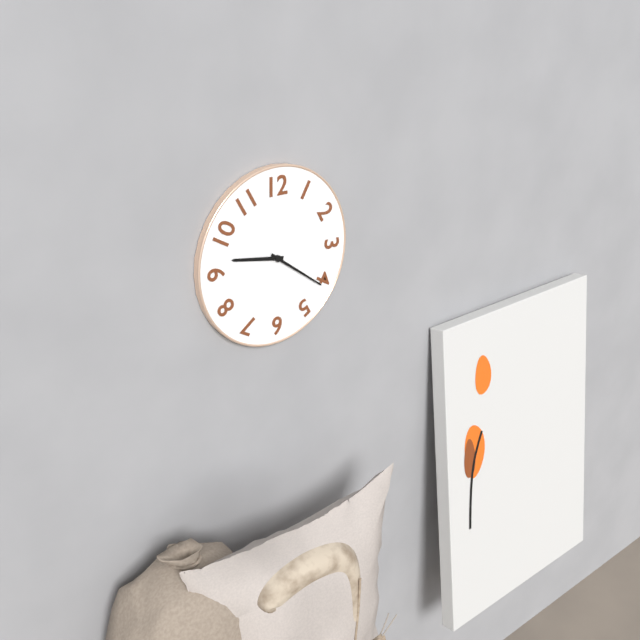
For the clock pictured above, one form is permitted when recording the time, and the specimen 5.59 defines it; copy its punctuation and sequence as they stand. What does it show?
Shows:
9.21
